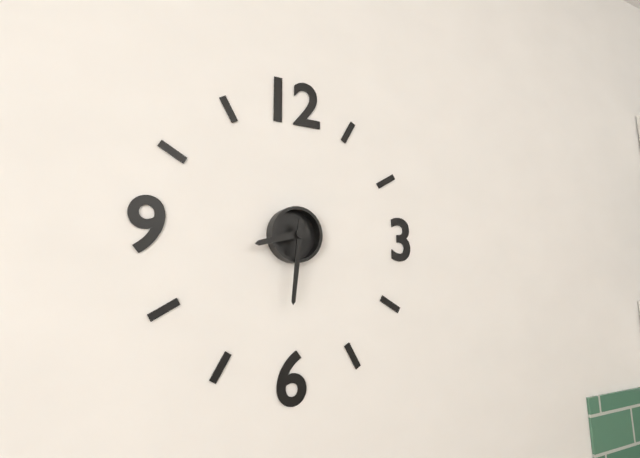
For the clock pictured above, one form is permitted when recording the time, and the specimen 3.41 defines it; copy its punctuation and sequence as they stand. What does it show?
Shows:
8.31
